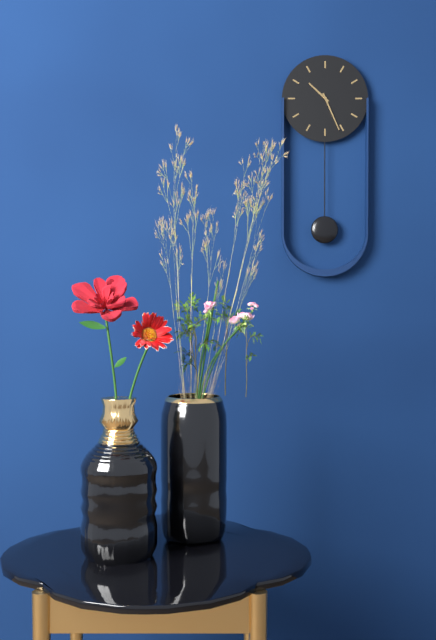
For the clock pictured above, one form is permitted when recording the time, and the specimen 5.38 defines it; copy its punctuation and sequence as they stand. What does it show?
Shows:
10.26
